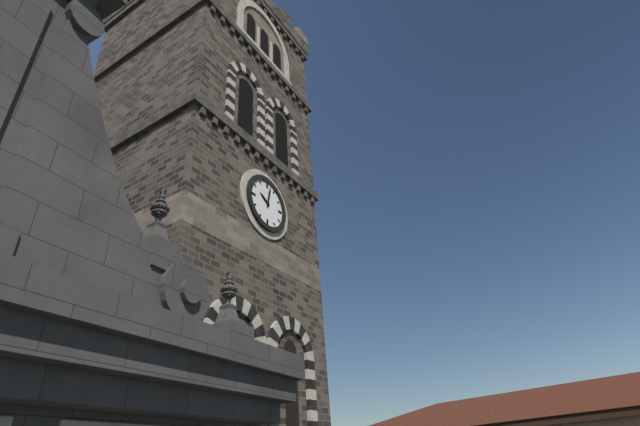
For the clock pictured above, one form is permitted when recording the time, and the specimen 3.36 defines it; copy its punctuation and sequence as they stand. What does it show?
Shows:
10.02
